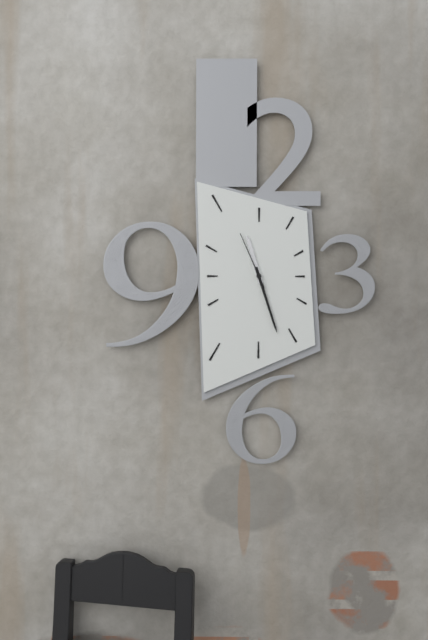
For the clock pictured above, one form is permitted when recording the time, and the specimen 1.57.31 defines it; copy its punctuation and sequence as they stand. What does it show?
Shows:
11.27.56
